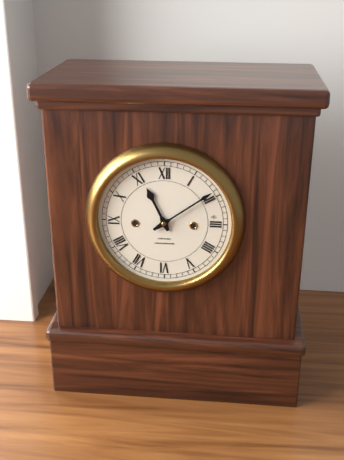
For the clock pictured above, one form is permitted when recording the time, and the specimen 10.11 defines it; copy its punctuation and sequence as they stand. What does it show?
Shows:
11.09
